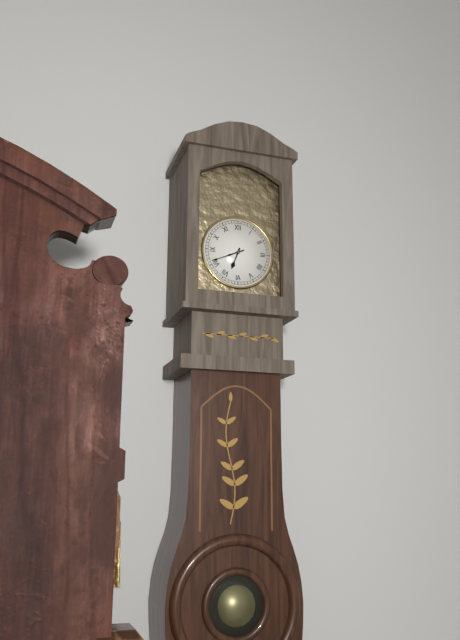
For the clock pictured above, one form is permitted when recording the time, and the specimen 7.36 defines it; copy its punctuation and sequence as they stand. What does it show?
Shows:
6.41
